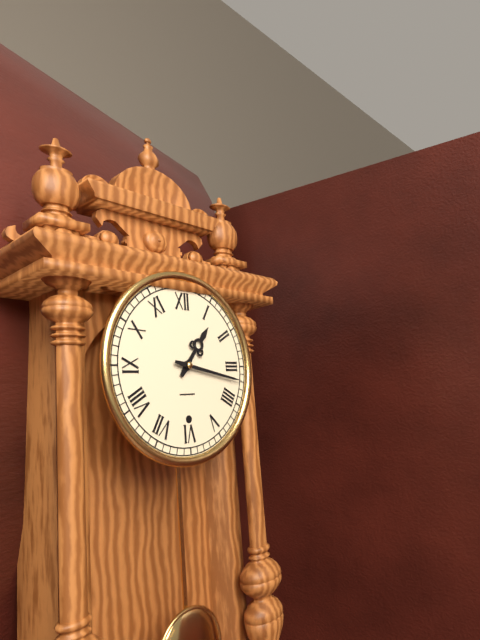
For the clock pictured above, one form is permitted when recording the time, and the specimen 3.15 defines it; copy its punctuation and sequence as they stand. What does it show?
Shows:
1.17
